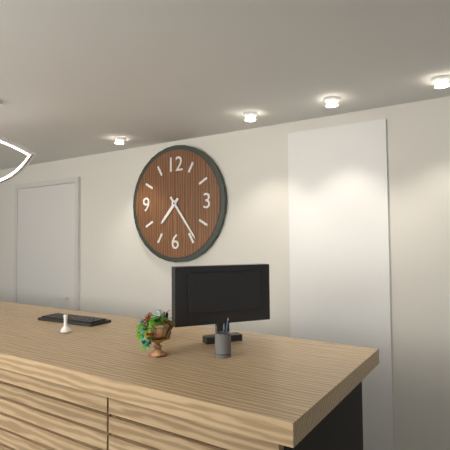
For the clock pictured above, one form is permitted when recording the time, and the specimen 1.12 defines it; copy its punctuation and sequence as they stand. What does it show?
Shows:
7.24
